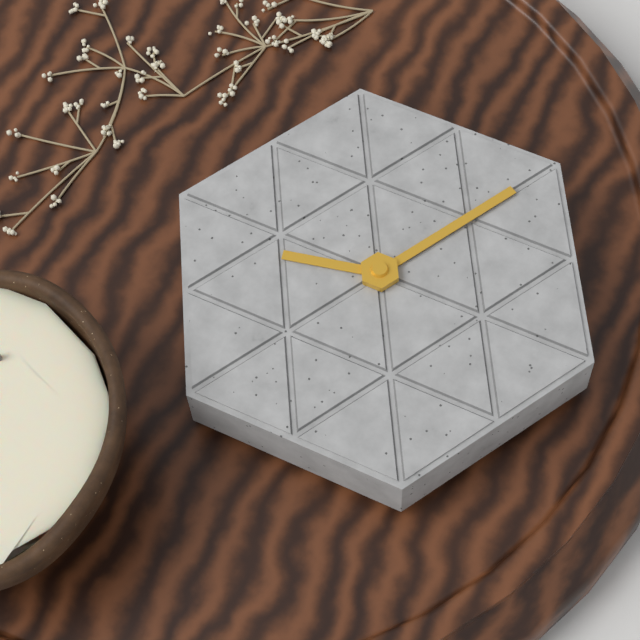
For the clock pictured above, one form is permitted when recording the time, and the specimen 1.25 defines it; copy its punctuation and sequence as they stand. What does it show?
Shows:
2.35
